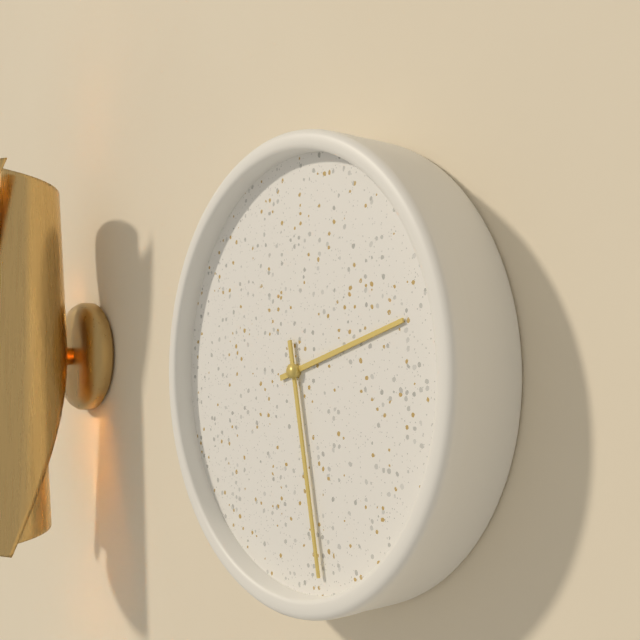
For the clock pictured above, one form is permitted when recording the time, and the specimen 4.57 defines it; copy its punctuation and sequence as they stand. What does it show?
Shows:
2.28
